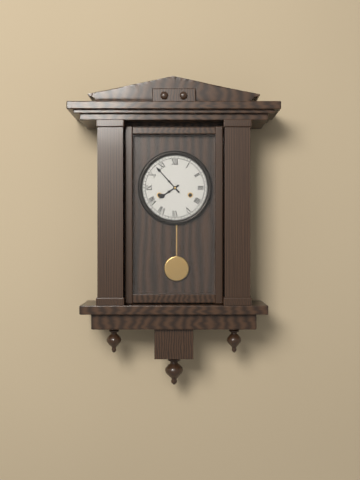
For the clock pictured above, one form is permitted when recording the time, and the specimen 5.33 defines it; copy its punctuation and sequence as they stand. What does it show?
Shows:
7.53
